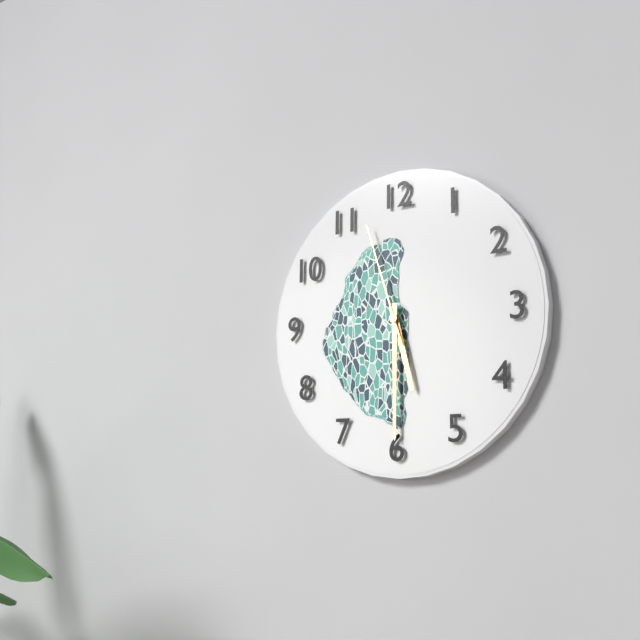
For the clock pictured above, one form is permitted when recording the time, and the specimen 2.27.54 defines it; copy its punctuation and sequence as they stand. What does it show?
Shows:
5.30.57
